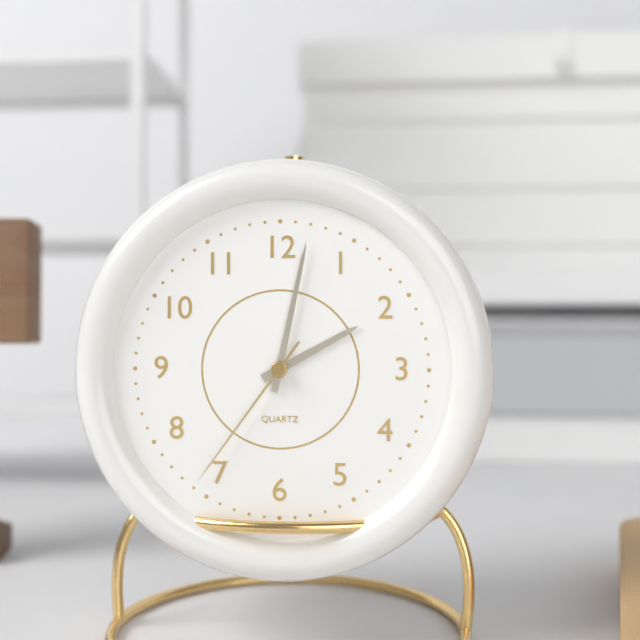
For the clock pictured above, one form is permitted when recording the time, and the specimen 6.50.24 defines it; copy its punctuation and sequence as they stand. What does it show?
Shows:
2.02.36
